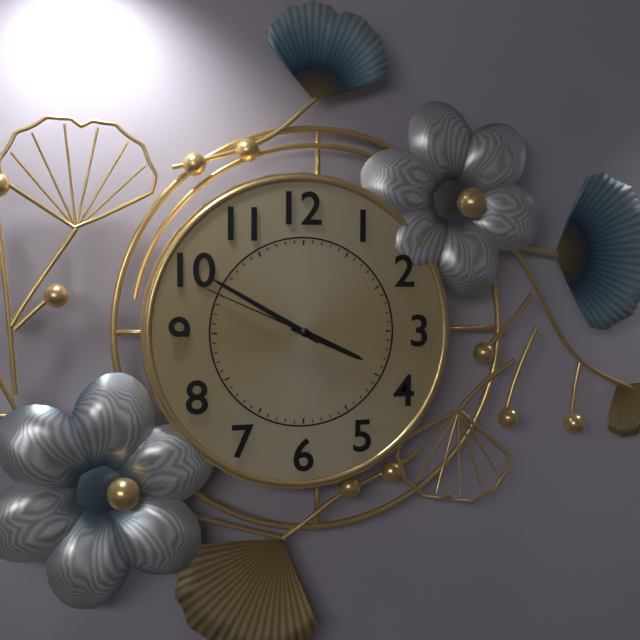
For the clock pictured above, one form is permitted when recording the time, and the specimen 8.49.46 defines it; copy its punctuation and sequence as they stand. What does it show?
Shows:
3.50.49
